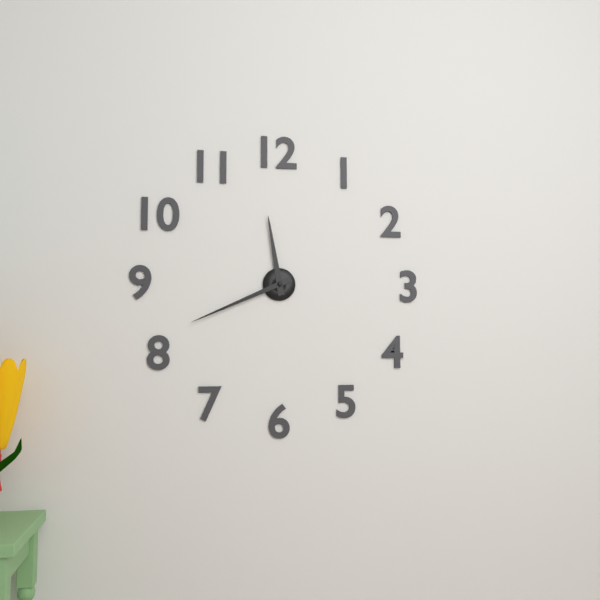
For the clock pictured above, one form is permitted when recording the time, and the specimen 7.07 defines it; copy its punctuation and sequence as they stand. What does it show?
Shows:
11.41
